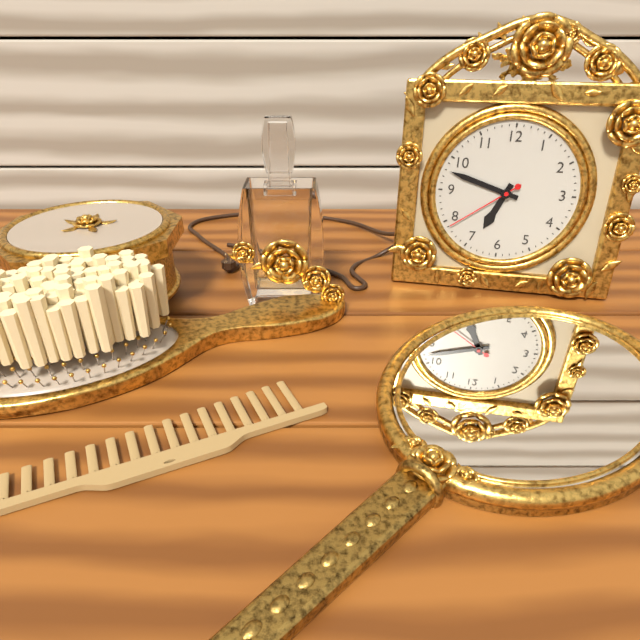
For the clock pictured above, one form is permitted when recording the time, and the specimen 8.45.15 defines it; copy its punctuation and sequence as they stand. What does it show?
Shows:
6.48.39
